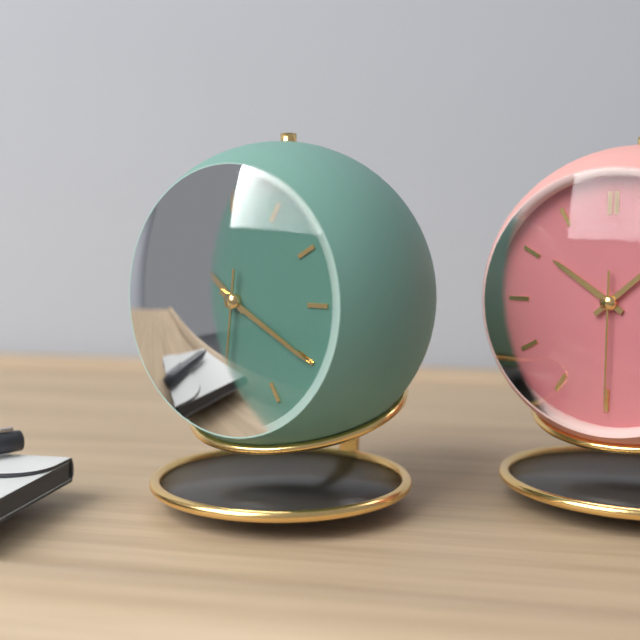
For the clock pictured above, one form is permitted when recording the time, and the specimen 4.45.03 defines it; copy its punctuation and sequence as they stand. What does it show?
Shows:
10.20.31
